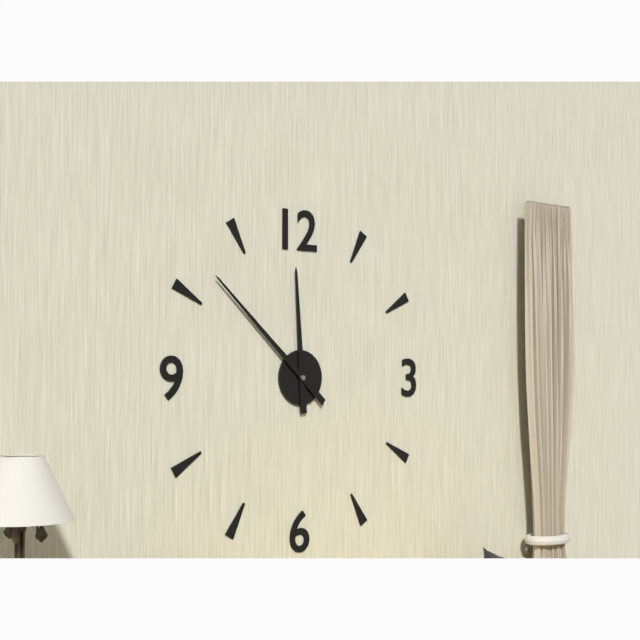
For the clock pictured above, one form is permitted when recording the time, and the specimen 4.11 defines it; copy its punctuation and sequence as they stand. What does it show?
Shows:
11.52
